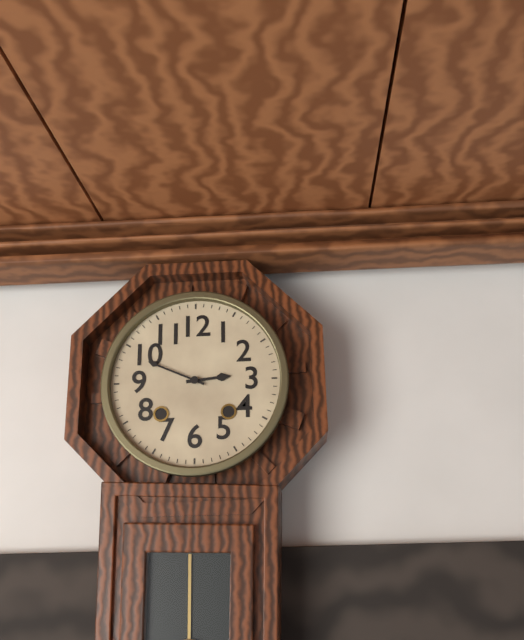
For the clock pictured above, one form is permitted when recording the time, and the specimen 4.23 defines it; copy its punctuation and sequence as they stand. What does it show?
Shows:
2.49
